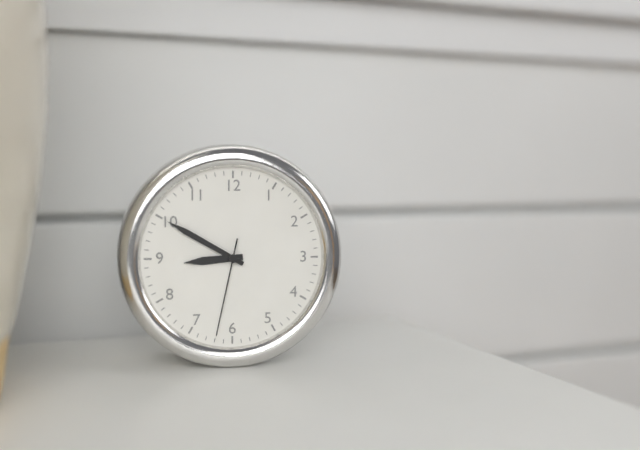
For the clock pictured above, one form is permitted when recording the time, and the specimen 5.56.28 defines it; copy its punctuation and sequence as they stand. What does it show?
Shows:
8.50.32
